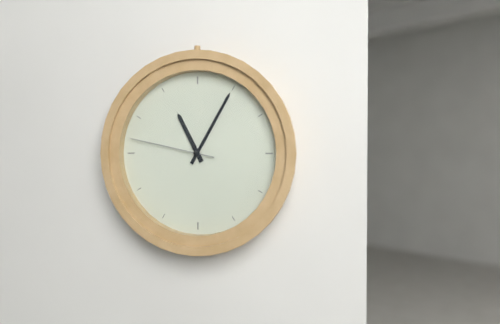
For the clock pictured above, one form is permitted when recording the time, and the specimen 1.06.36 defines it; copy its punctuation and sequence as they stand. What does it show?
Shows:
11.05.47
